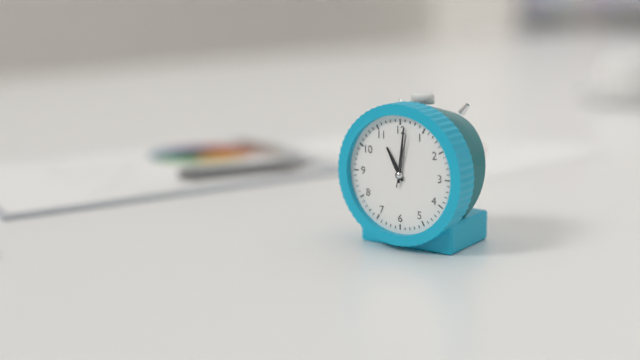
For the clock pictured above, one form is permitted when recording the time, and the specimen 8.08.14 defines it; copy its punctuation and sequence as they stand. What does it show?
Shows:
11.01.02
